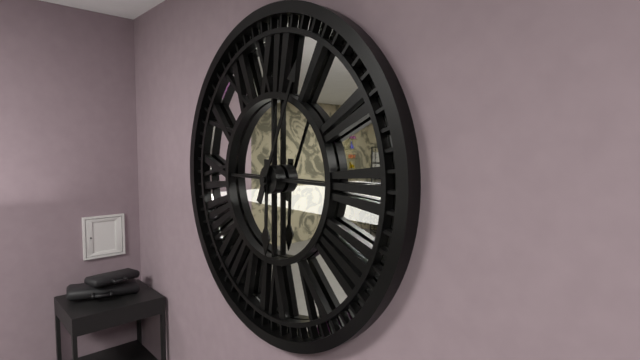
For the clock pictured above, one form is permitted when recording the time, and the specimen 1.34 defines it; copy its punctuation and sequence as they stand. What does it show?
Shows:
6.04
